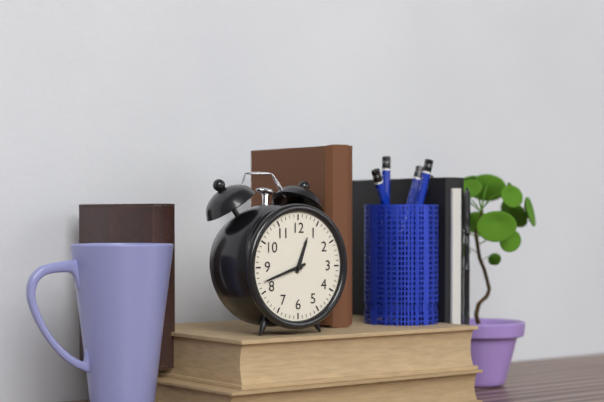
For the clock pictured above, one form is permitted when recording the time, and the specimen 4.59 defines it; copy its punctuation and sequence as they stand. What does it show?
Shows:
12.42
